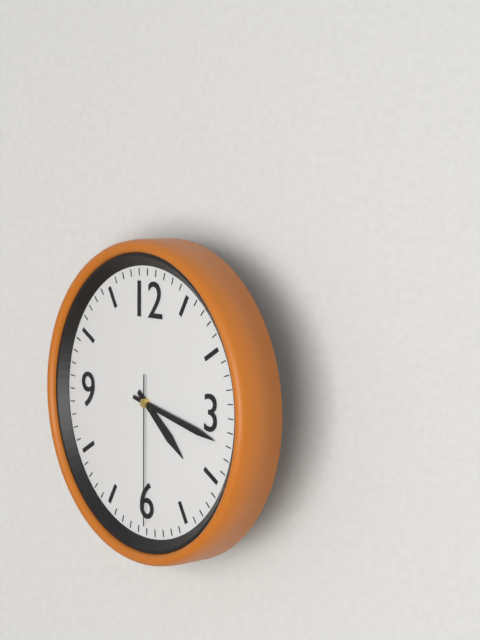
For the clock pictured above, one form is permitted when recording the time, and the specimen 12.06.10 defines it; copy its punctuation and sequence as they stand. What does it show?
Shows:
4.17.30
